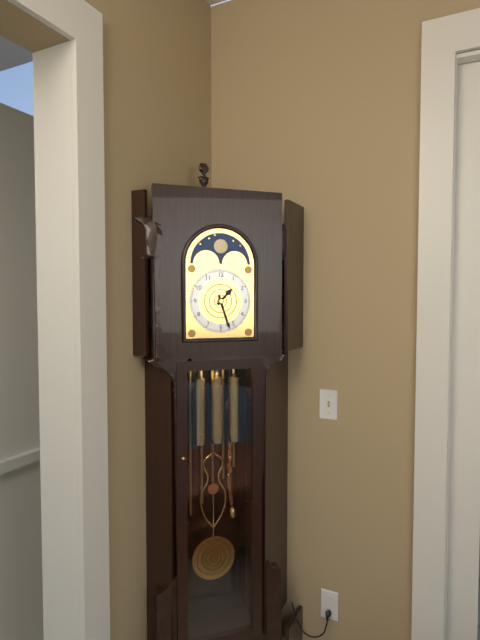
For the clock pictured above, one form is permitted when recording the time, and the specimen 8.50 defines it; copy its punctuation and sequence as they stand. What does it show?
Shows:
1.27
